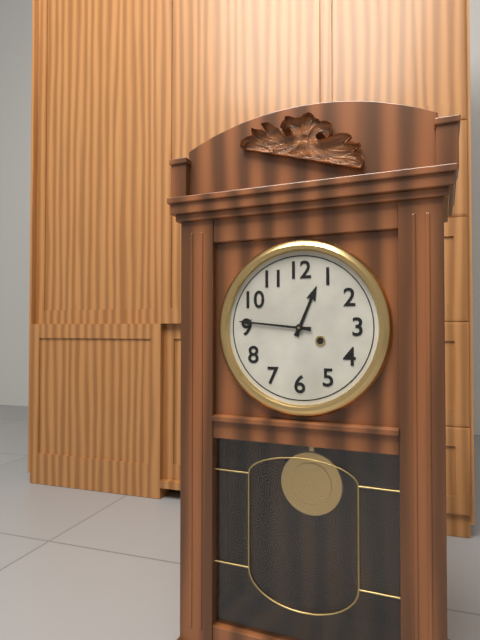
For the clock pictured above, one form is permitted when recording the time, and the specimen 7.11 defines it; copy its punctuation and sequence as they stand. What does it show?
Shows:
12.46
